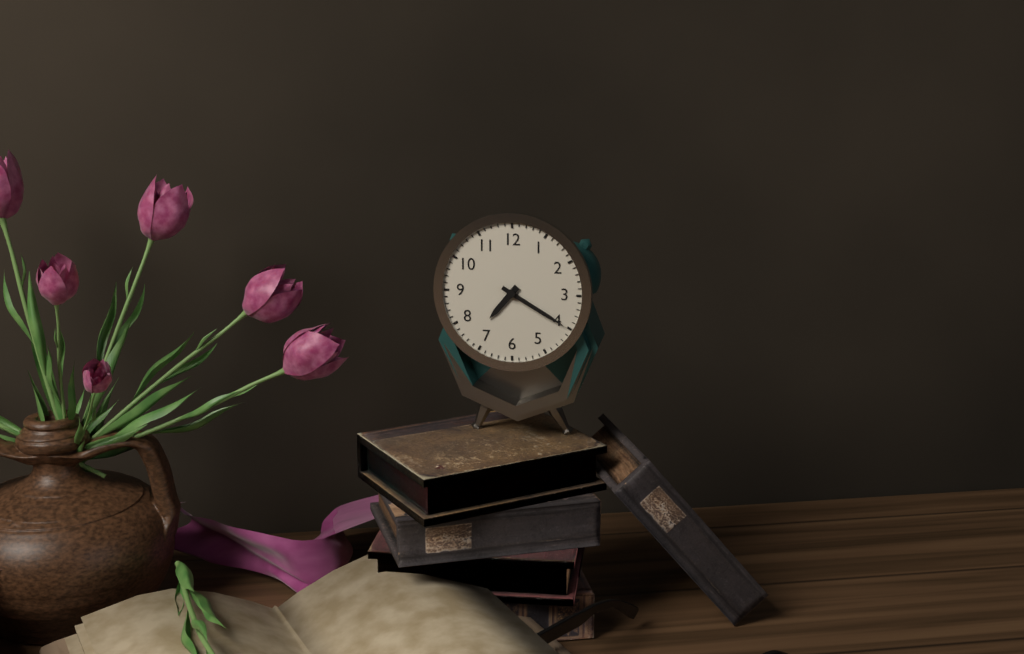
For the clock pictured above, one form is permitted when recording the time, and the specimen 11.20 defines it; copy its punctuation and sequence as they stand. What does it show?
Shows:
7.20
